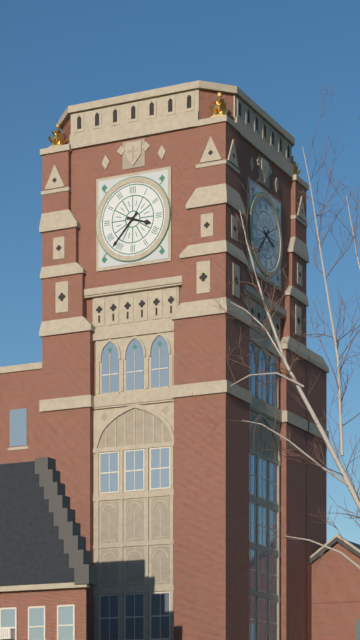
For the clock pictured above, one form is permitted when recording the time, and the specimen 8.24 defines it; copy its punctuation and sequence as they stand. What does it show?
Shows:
3.37
